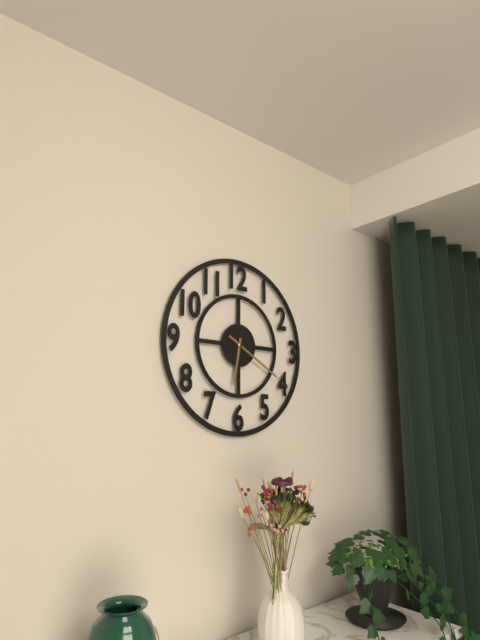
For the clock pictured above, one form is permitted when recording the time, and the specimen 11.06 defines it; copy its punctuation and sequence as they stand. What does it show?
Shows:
6.20
